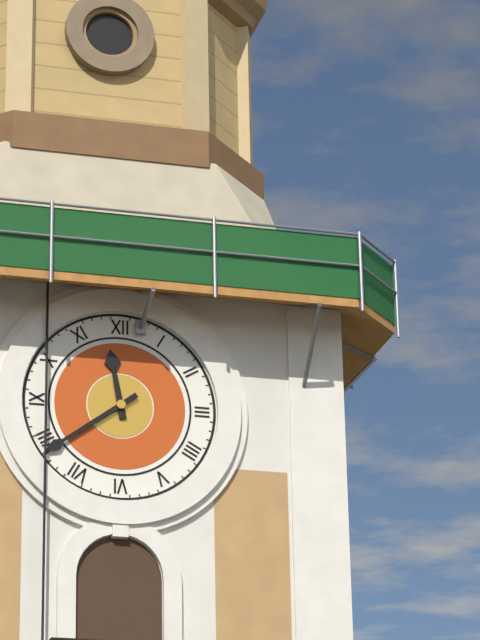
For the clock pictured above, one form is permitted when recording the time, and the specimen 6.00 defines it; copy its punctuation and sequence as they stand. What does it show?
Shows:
11.39
